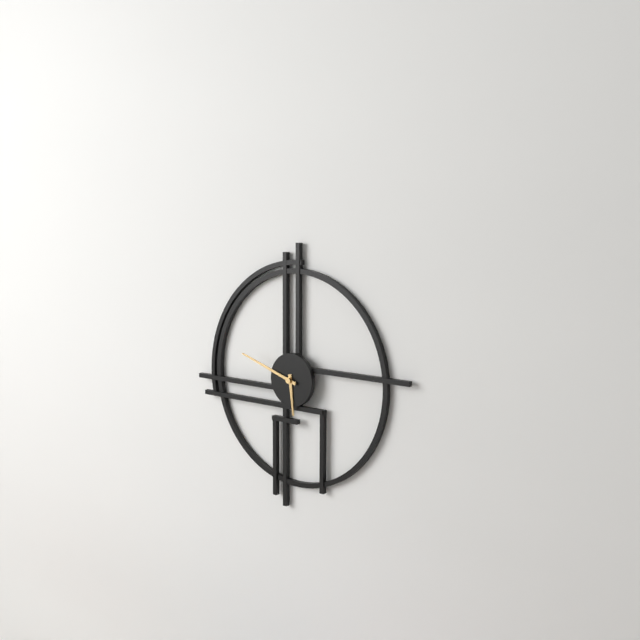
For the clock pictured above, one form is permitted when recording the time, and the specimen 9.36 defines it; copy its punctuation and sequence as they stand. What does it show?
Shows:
5.48
